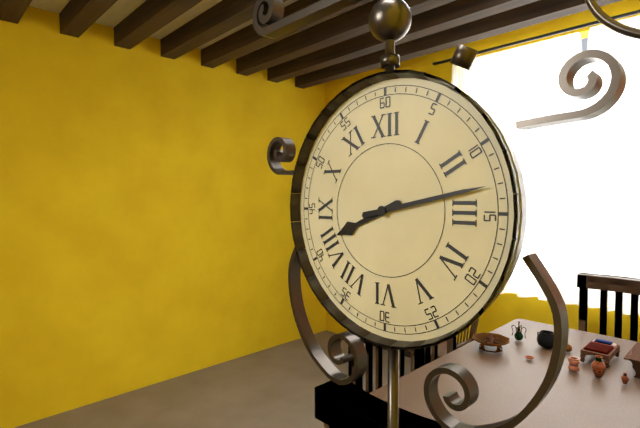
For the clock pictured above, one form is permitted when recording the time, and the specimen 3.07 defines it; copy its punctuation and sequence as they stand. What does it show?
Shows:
8.13
